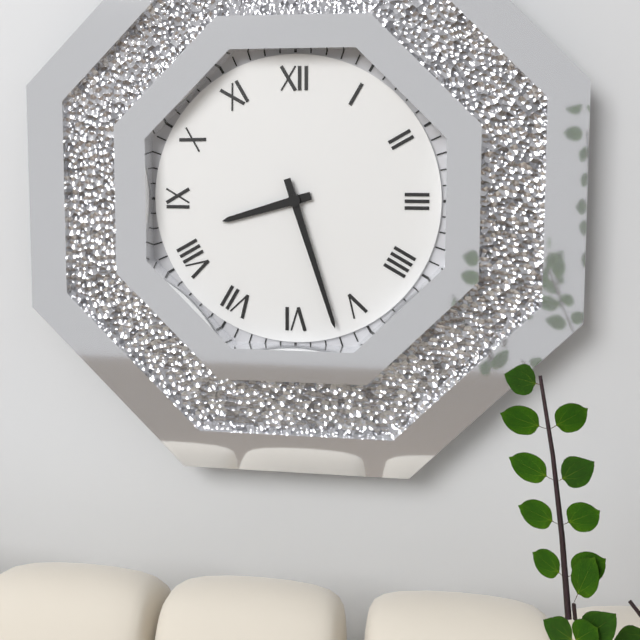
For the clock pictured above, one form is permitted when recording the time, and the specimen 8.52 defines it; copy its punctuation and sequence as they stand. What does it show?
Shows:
8.27
